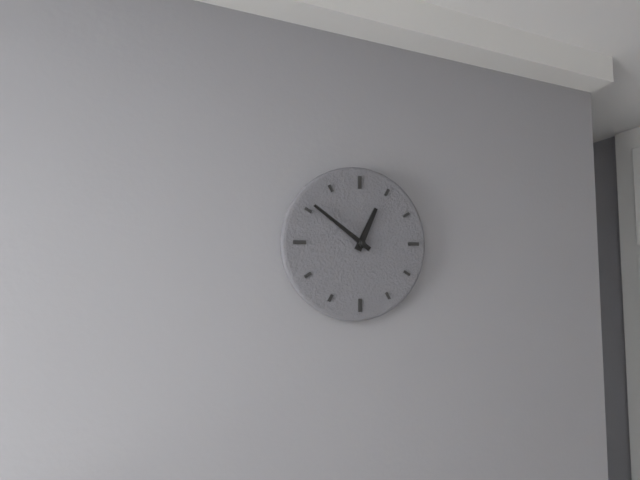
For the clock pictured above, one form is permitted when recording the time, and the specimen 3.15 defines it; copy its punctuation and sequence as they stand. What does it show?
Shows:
12.51
